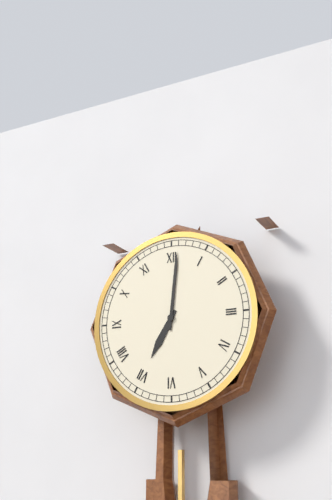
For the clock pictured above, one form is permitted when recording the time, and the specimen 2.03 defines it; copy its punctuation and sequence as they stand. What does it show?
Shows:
7.01
